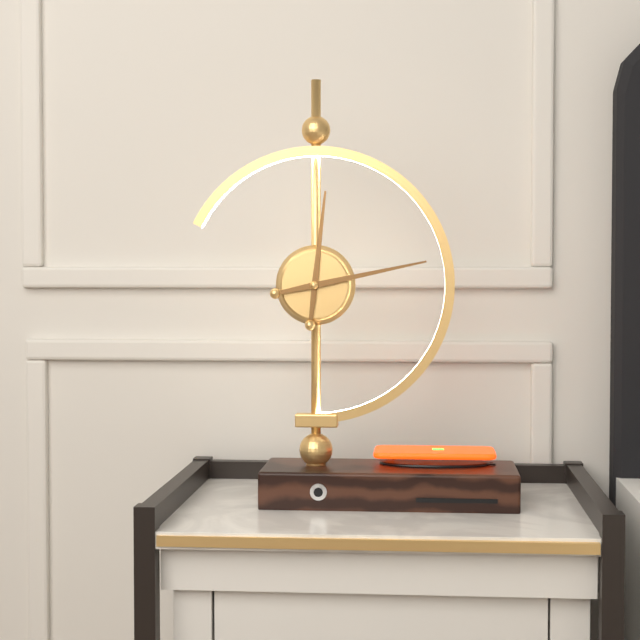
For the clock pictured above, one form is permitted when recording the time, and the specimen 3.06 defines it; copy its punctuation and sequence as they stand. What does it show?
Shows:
12.13
